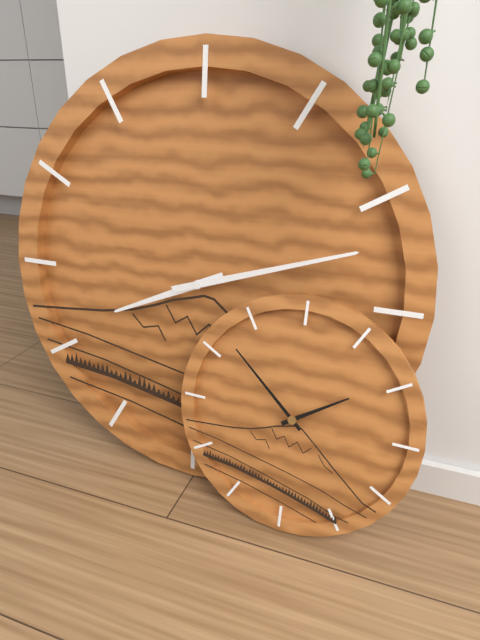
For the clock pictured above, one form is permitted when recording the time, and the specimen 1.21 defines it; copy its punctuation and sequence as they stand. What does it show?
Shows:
8.12
